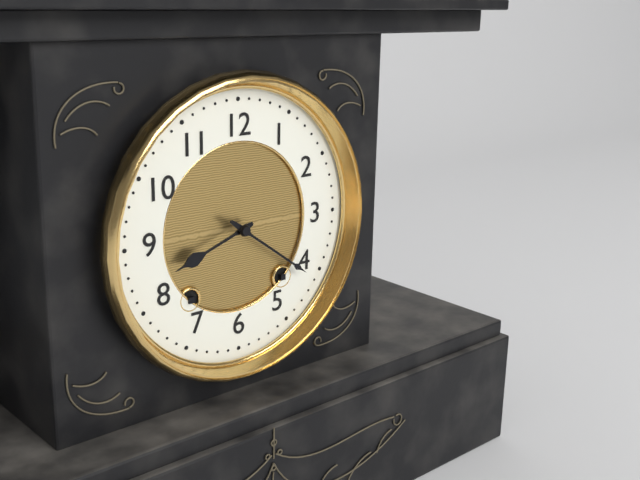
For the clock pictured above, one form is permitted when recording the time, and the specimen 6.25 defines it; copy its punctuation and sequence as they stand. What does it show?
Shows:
8.21
